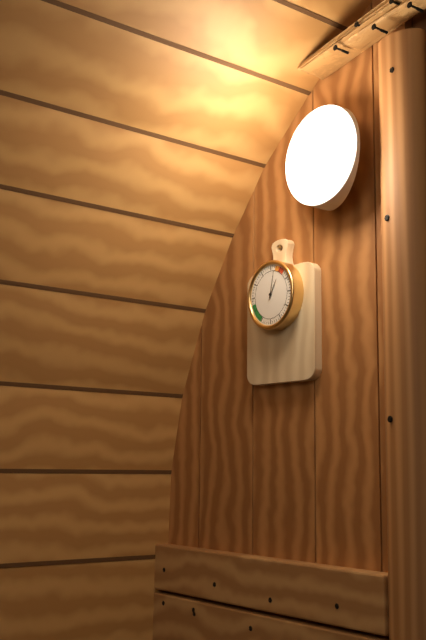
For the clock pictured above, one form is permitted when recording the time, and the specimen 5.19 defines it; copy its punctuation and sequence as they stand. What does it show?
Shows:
1.02
